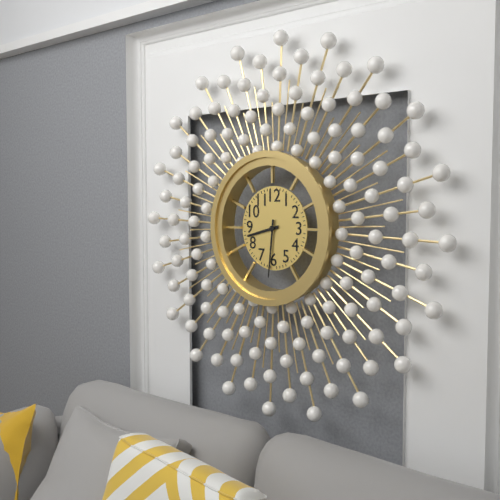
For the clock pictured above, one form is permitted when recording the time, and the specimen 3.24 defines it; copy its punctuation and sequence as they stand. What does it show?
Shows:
8.31
